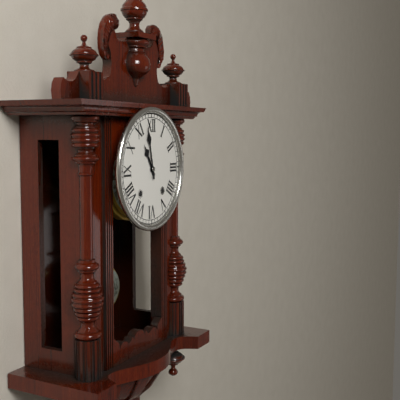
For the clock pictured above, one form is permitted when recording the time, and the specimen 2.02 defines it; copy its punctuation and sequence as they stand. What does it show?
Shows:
10.58
